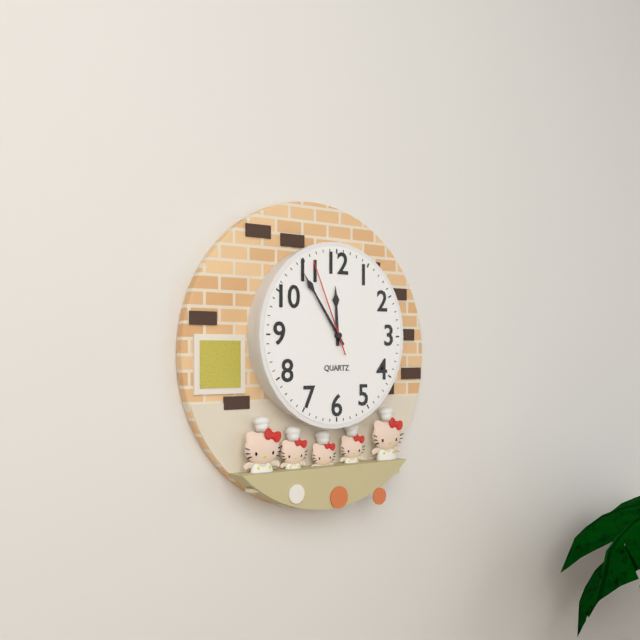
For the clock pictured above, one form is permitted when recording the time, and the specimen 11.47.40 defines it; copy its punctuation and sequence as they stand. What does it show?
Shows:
11.54.56
